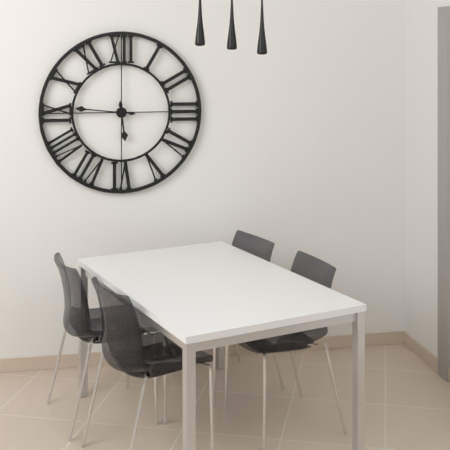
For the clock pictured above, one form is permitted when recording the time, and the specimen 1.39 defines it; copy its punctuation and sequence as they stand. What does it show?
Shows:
5.46
